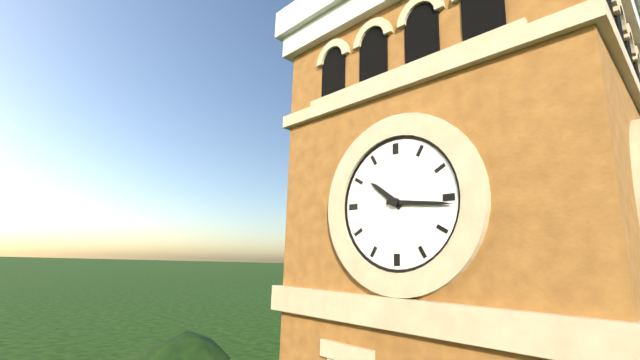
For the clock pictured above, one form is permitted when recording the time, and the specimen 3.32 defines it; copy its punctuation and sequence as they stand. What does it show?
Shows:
10.16
